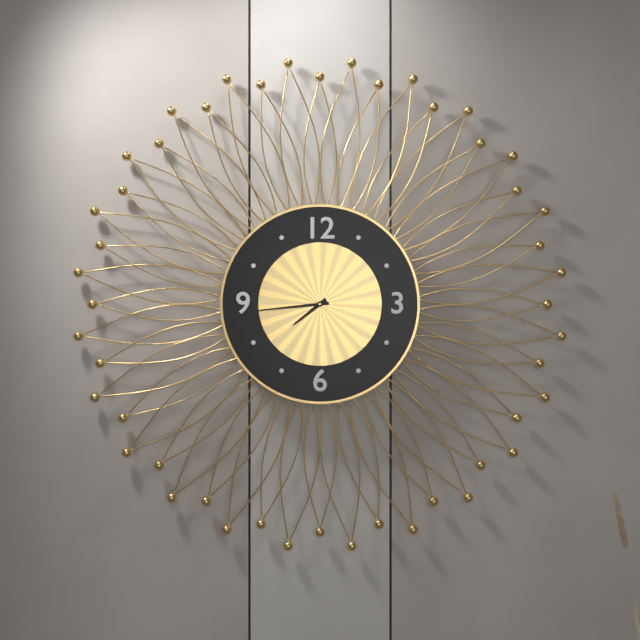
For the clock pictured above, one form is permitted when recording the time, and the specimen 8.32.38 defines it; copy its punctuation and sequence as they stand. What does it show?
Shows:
7.44.21
